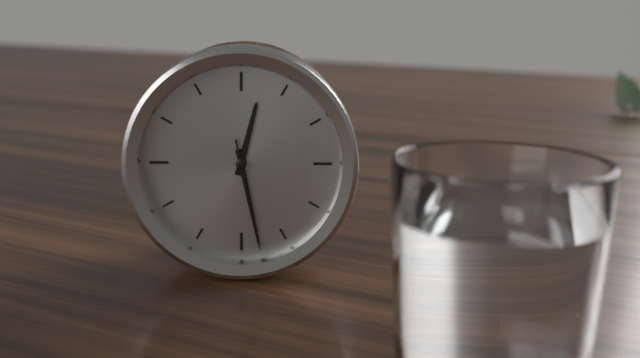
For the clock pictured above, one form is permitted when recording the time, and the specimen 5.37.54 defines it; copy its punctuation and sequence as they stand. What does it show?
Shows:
12.28.28
